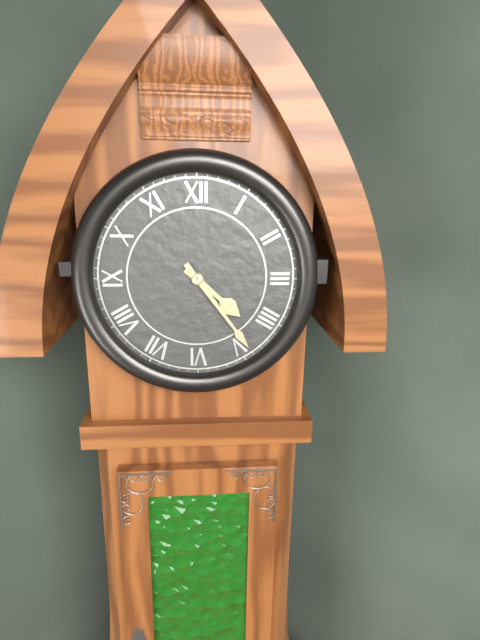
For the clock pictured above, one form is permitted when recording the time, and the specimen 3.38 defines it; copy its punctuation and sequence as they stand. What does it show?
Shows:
4.24
